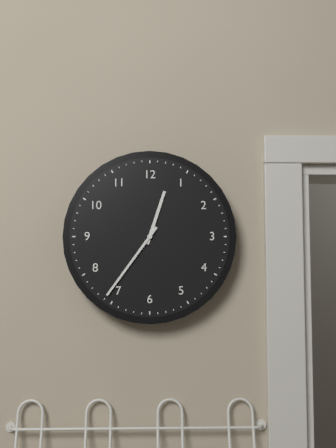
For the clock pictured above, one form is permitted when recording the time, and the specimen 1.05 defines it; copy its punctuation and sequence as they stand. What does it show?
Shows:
12.36
